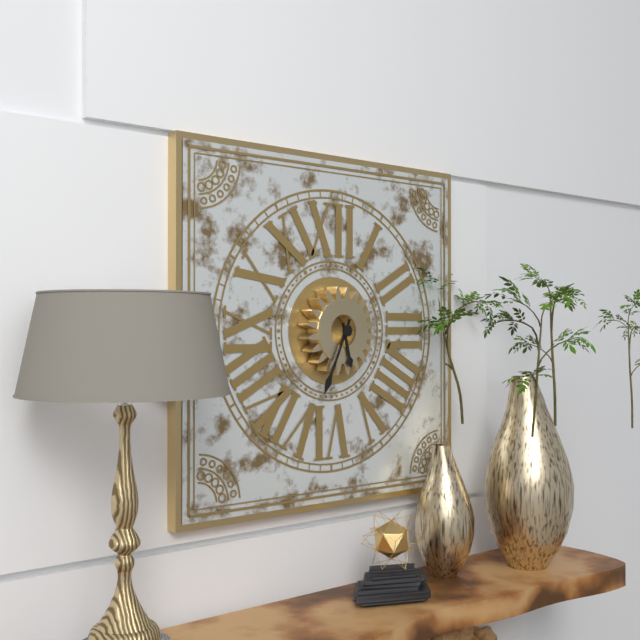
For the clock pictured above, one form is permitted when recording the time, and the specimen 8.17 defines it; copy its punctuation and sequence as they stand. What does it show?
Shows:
5.34
